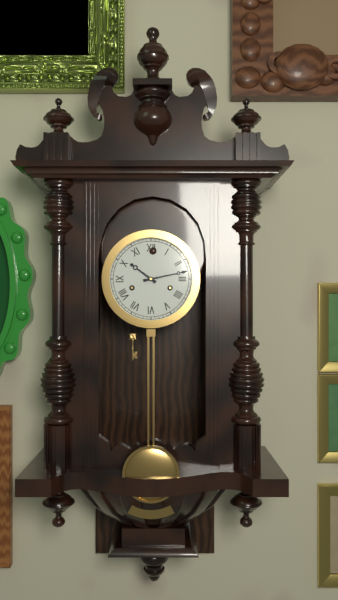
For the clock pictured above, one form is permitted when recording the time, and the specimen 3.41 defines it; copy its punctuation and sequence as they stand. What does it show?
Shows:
10.13
